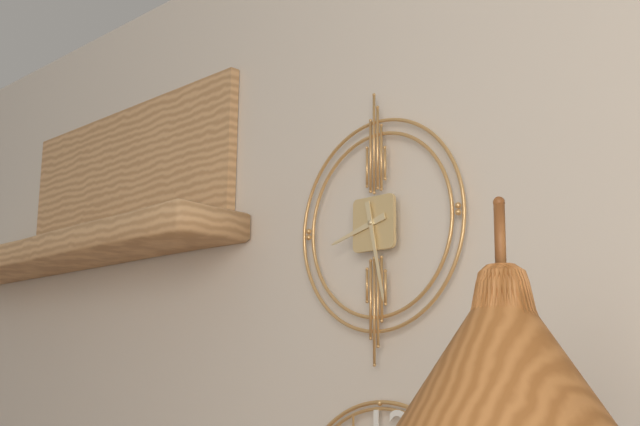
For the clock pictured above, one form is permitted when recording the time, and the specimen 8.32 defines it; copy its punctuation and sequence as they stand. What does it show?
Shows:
8.28
